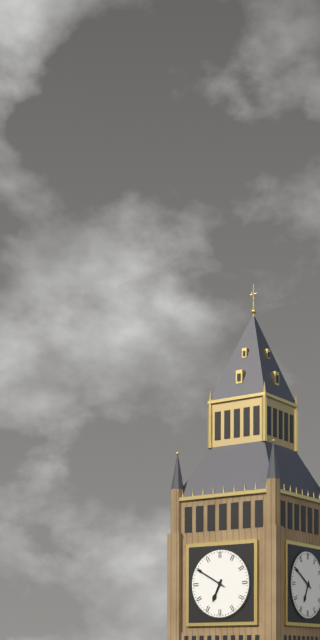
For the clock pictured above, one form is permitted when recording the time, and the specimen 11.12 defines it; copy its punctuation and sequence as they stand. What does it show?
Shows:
6.50
